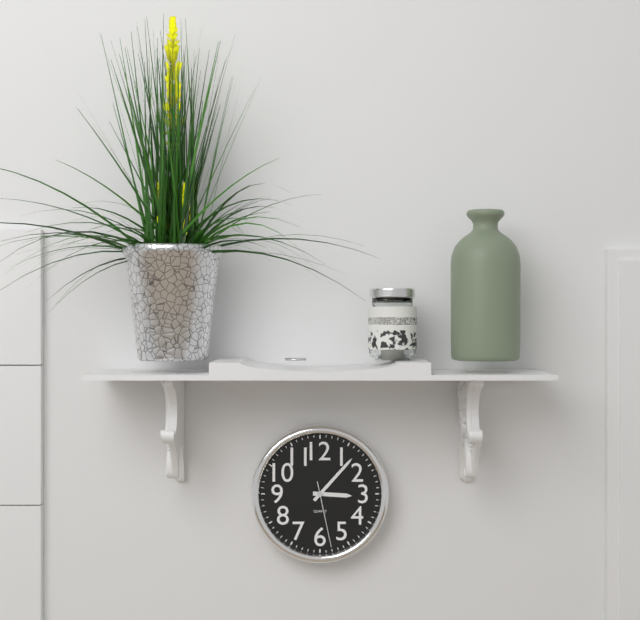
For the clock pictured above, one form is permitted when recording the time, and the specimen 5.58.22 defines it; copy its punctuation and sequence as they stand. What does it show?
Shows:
3.07.28
